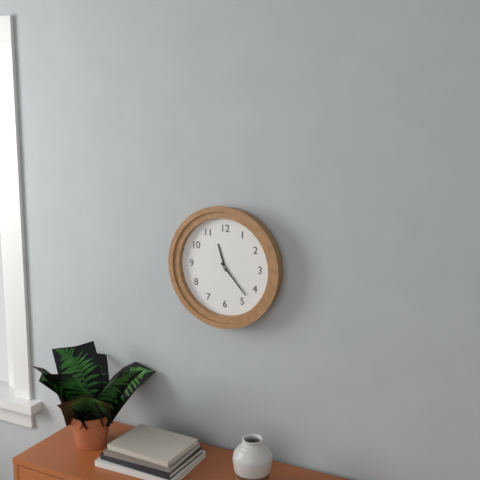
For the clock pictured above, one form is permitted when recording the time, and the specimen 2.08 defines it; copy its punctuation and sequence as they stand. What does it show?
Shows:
11.23
